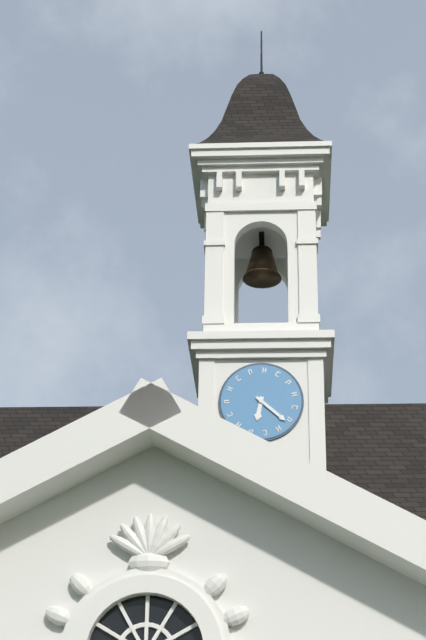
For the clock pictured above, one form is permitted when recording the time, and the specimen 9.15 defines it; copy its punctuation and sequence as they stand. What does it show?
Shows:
6.22
